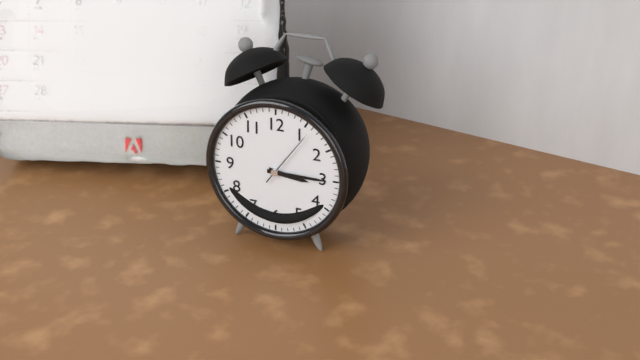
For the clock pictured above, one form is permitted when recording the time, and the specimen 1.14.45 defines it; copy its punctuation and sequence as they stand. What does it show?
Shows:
3.15.06
